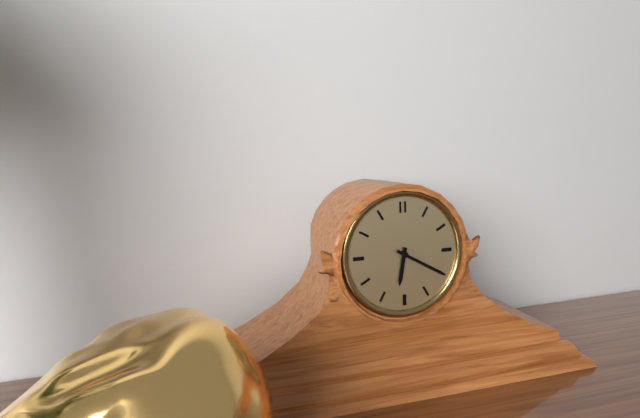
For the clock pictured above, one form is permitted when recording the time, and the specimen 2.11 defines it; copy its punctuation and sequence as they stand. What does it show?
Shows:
6.20
